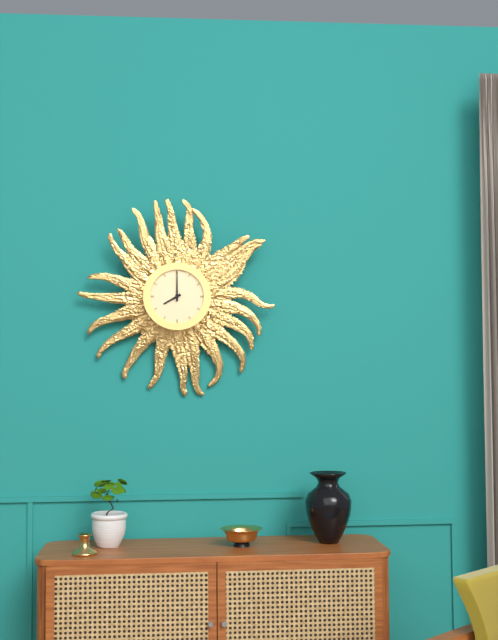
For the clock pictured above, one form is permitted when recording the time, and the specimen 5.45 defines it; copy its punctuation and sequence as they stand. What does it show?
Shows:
8.00
